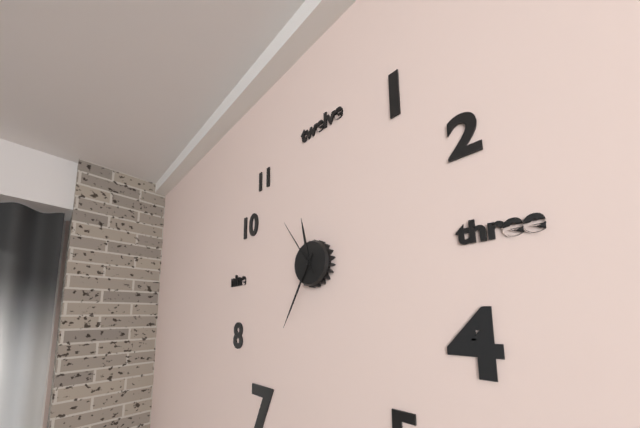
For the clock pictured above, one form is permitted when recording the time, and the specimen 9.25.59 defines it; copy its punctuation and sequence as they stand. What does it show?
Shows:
11.35.54
